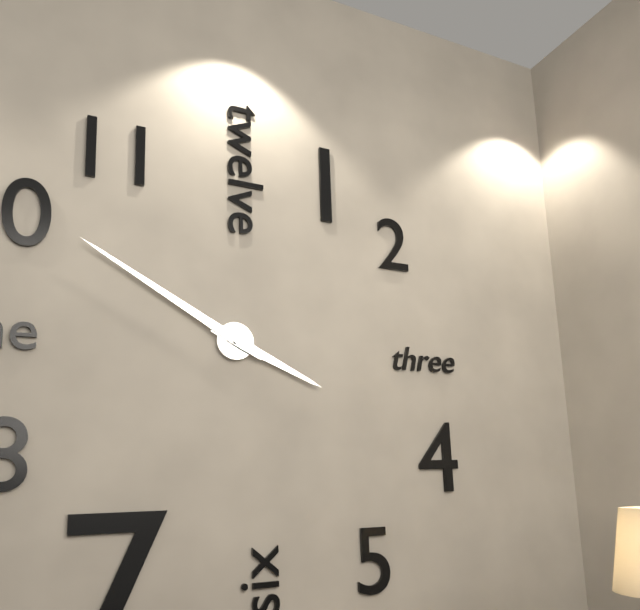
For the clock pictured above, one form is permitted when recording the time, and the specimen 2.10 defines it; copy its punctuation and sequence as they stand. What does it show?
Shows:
3.50
